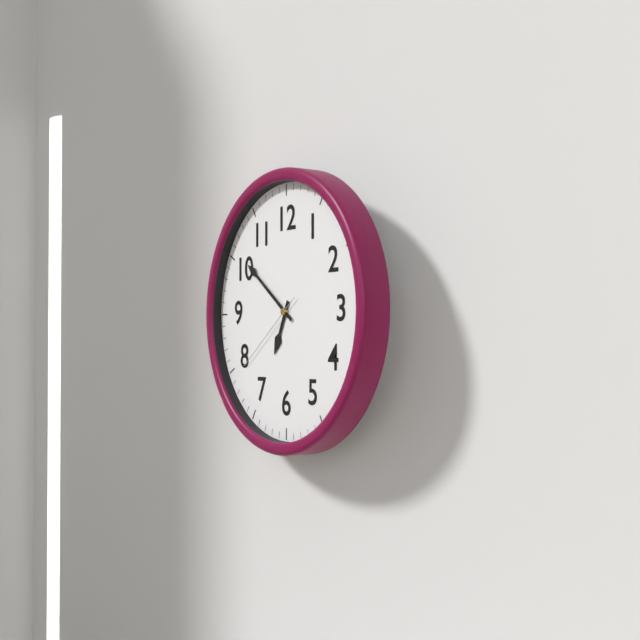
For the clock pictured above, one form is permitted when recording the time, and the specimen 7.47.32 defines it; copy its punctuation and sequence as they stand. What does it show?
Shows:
6.51.39
